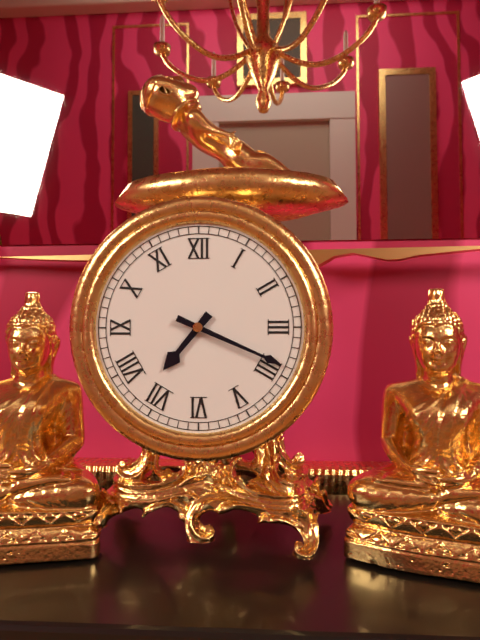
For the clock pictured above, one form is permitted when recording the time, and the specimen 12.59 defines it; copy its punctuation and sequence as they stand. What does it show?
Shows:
7.19
